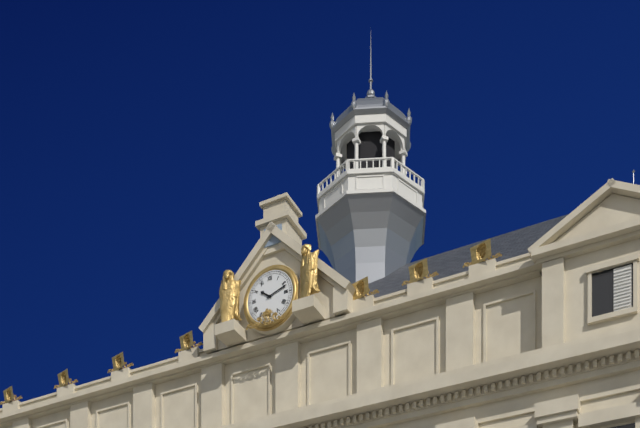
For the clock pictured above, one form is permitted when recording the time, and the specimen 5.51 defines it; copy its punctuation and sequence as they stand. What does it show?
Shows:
10.12
